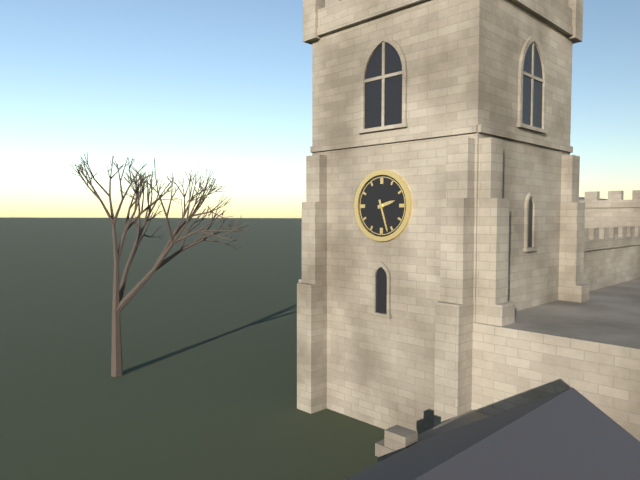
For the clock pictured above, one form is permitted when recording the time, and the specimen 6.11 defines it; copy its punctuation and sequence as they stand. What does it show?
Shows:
2.27
